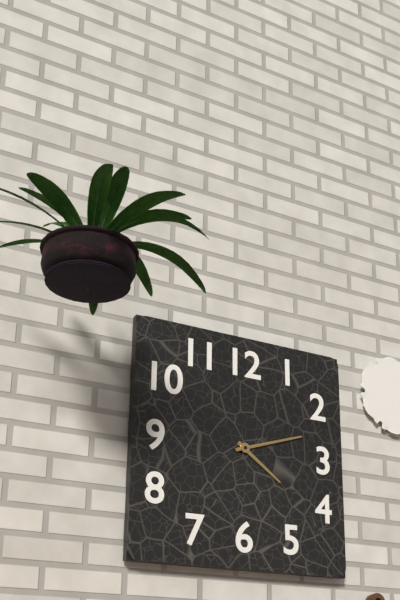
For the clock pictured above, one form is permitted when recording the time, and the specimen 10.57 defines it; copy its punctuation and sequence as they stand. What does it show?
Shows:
4.12
